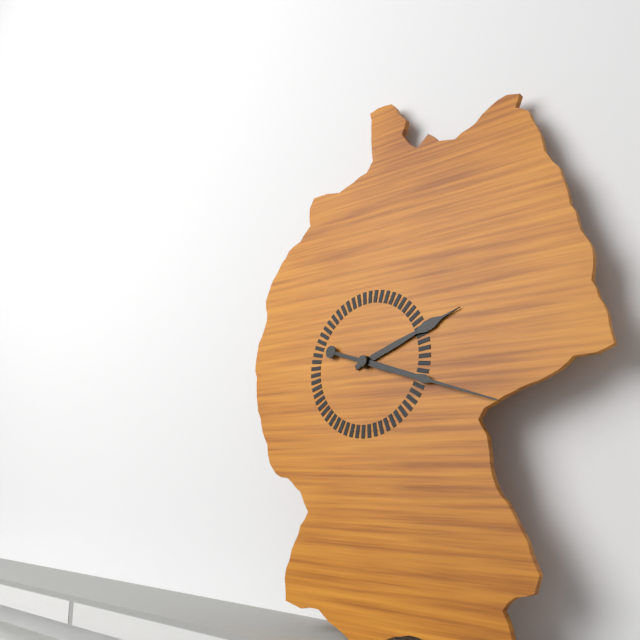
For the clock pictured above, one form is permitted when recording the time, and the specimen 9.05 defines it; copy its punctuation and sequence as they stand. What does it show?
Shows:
2.18
